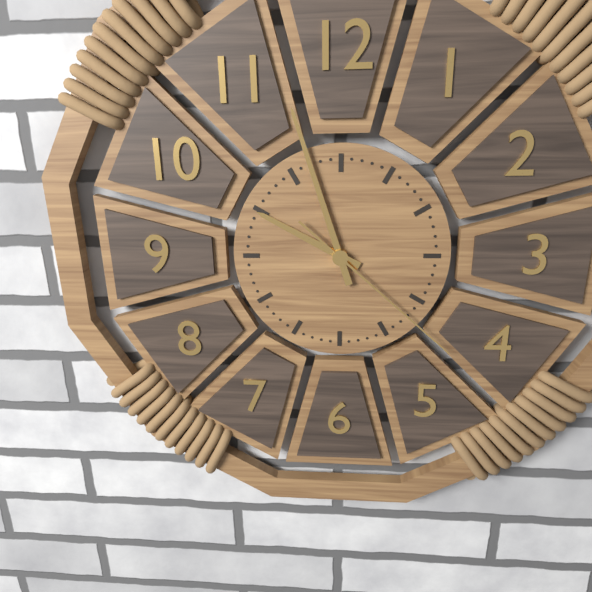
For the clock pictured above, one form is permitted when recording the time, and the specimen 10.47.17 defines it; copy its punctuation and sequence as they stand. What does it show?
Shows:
9.57.22
